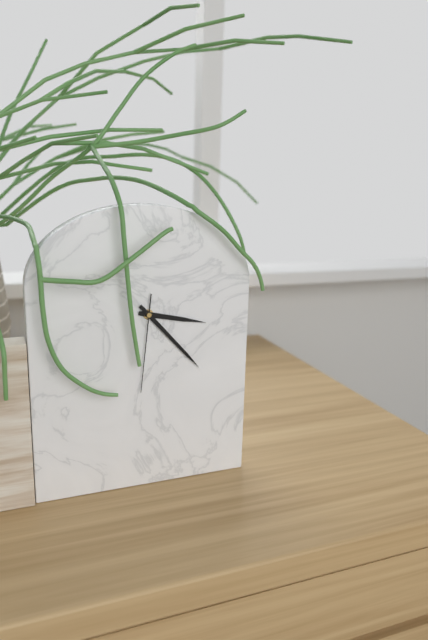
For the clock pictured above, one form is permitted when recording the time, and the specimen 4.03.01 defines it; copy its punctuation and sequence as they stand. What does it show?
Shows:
3.23.31
